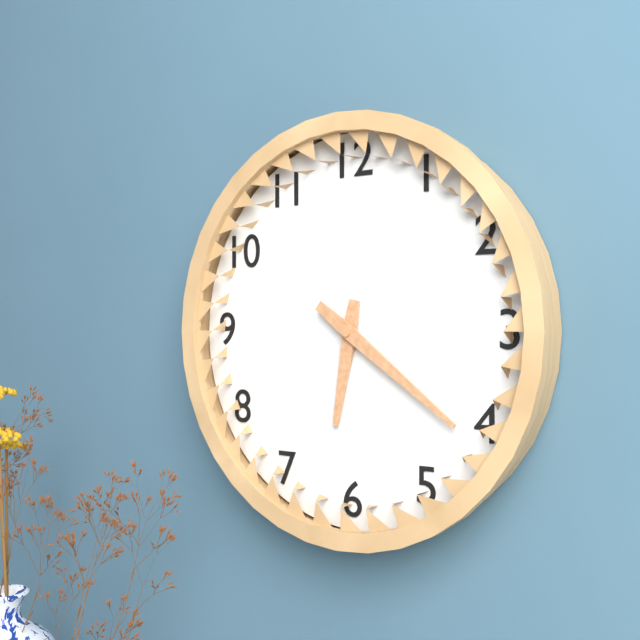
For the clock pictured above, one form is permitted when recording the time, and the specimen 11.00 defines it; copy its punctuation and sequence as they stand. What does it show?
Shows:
6.21
